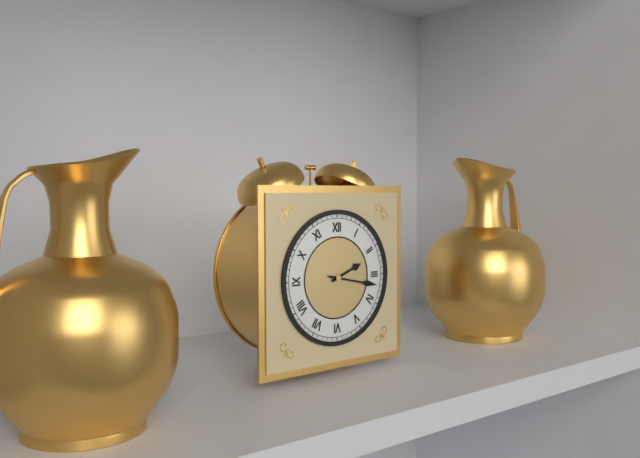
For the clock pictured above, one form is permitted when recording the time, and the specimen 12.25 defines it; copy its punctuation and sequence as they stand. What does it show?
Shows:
2.17
